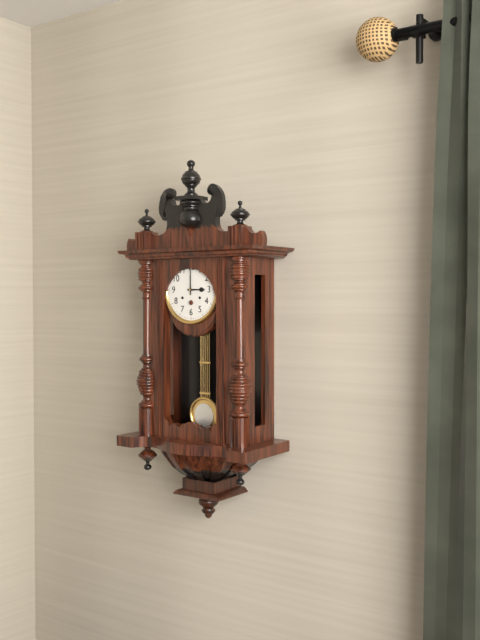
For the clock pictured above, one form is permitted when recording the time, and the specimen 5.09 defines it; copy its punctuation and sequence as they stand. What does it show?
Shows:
3.00
